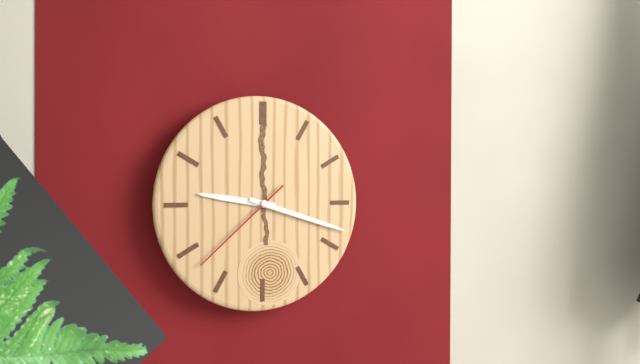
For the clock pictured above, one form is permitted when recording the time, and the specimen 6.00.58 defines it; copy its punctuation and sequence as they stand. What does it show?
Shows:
9.18.38
